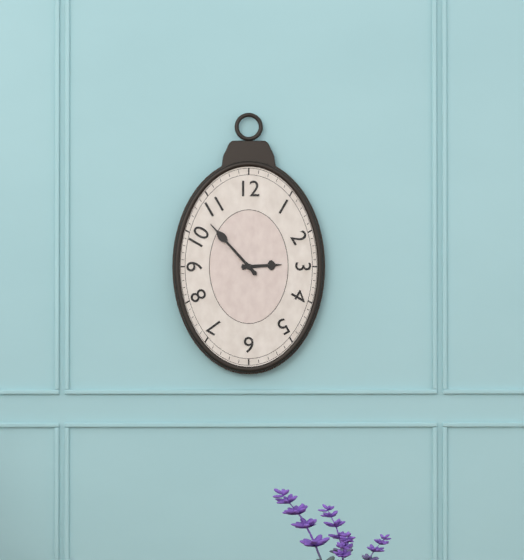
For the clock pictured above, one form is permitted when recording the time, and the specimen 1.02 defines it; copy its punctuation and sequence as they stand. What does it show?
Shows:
2.53
